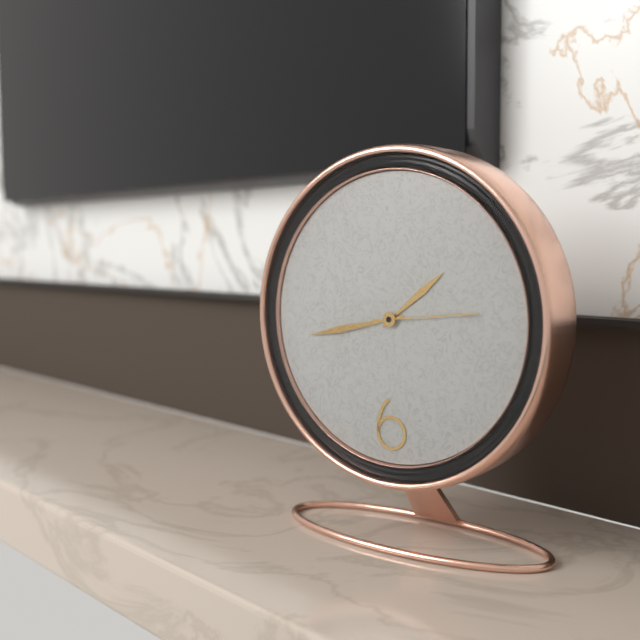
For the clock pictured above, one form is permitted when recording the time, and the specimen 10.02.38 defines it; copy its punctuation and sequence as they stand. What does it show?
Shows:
1.43.14
